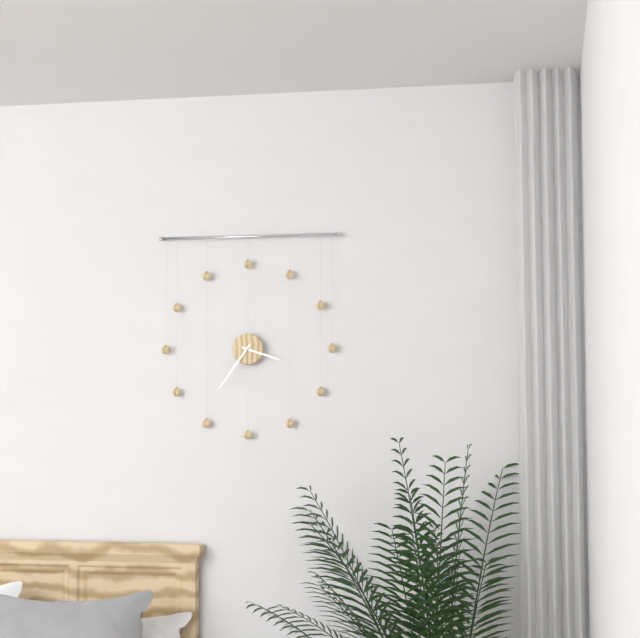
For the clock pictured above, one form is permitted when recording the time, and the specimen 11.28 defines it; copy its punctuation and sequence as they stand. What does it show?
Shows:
3.36
